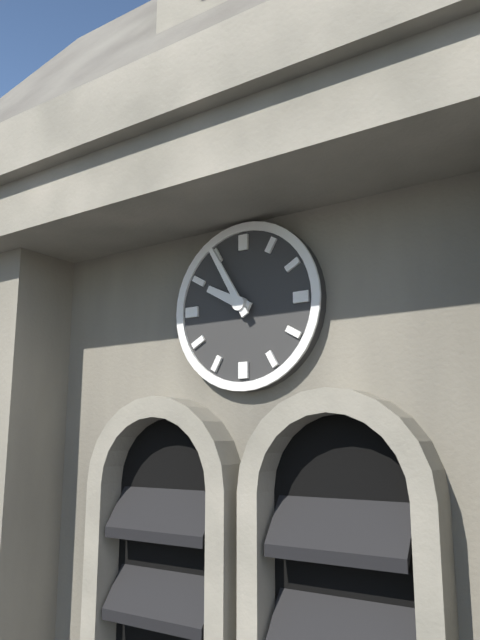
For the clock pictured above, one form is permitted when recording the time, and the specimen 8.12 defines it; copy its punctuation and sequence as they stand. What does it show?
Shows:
9.55
